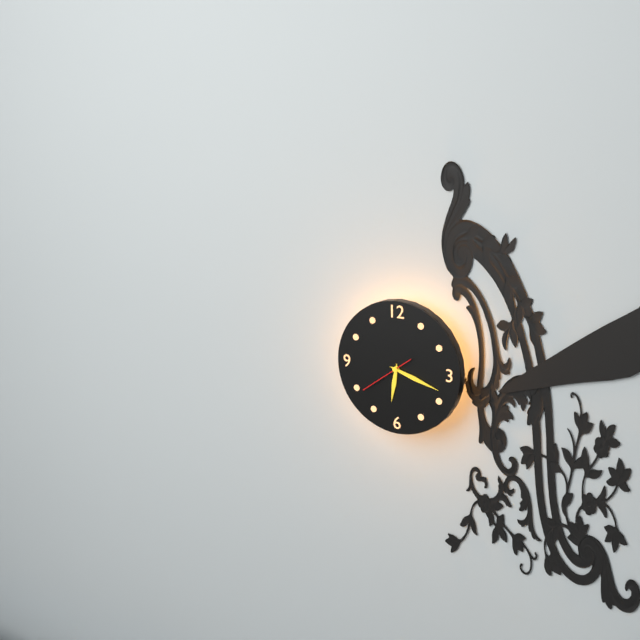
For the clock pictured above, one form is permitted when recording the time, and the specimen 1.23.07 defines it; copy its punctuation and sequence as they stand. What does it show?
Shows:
6.18.39
